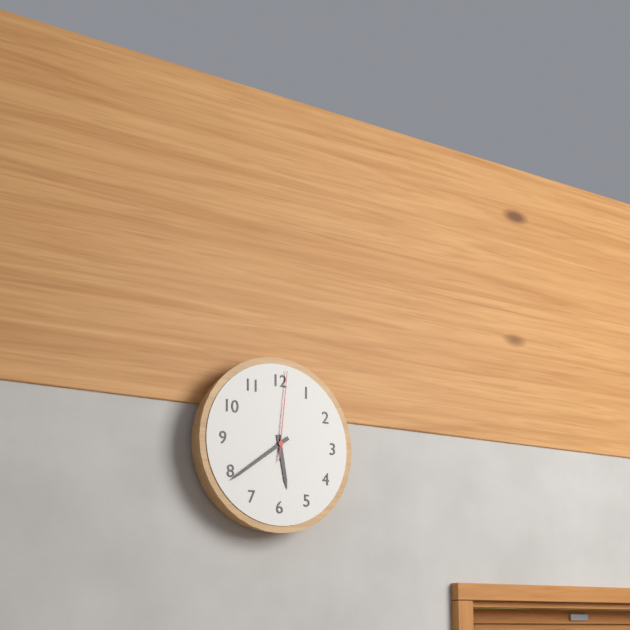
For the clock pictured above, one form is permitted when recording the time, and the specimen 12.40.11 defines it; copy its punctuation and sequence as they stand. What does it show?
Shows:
5.39.01
